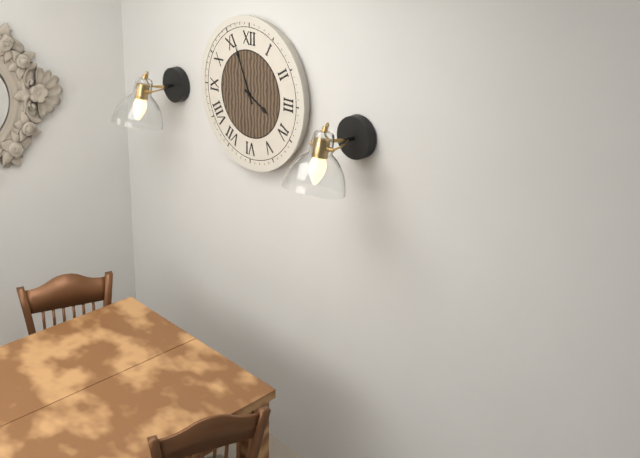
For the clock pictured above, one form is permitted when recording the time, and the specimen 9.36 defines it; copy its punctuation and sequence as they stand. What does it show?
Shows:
3.56
